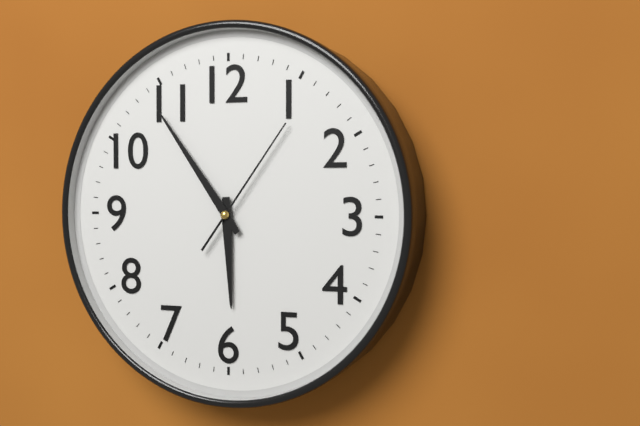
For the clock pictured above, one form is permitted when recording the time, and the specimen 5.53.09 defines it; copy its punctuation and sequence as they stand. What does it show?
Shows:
5.54.06
